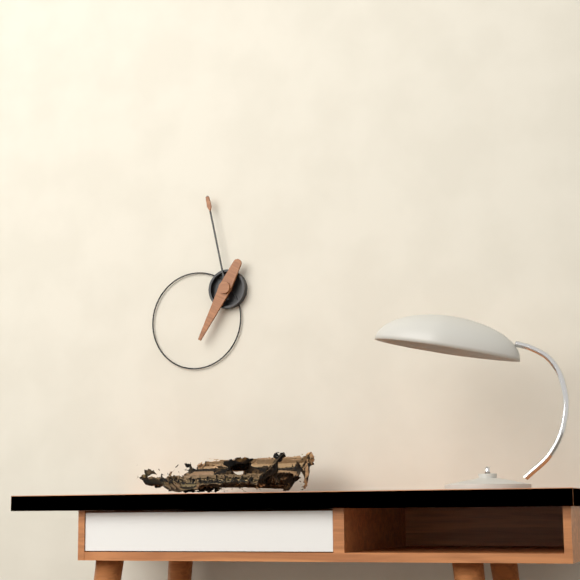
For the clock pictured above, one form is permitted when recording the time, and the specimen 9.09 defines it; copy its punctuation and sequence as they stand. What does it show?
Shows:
6.58
